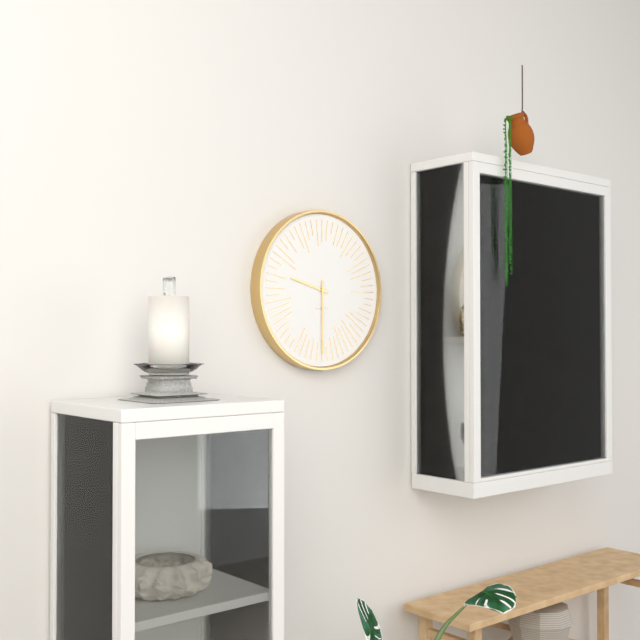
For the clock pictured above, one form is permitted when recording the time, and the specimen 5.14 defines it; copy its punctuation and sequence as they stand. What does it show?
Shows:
9.30
